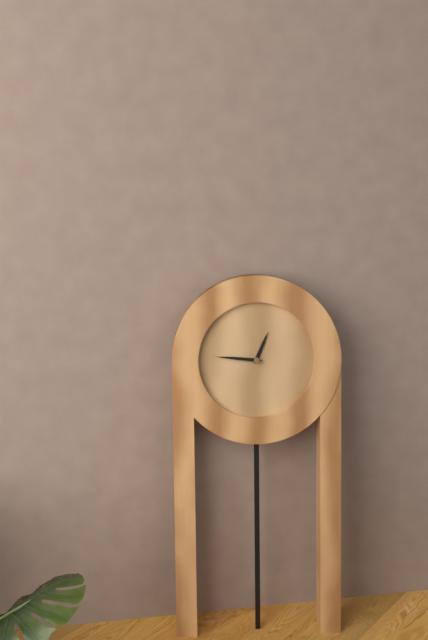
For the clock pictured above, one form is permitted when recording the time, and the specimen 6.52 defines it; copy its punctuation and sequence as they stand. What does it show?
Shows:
12.46
